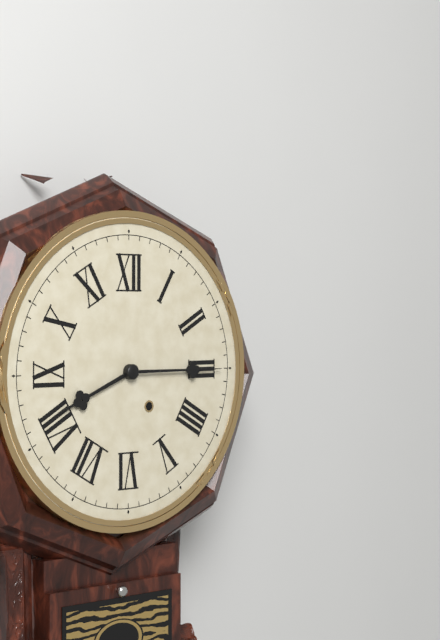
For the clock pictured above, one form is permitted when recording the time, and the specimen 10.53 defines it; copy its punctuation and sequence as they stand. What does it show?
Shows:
8.15
